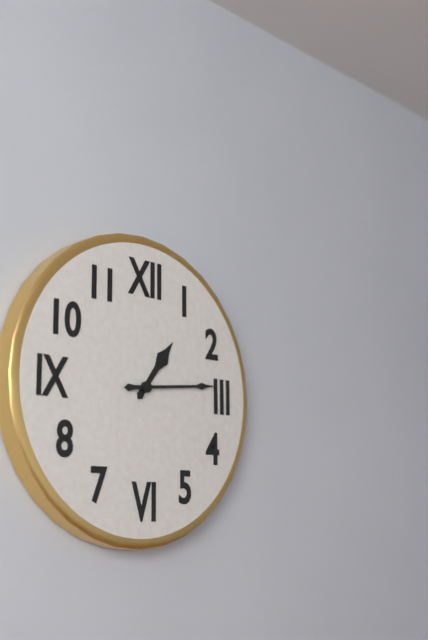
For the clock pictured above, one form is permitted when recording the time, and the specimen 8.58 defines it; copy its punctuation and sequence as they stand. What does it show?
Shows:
1.14
